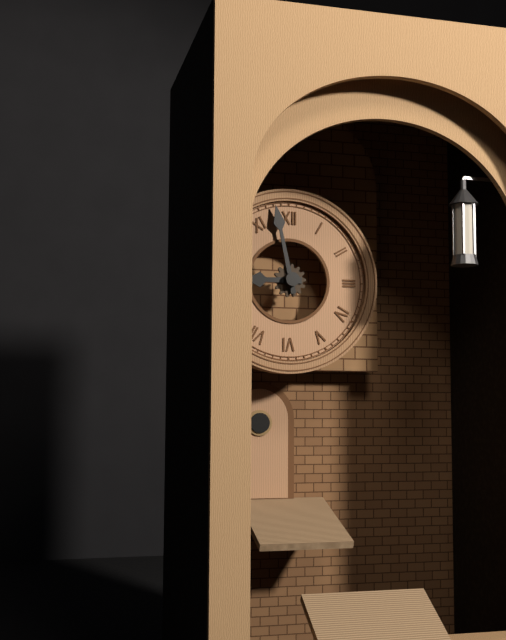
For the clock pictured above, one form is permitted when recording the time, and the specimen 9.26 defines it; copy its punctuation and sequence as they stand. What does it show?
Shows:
8.58
